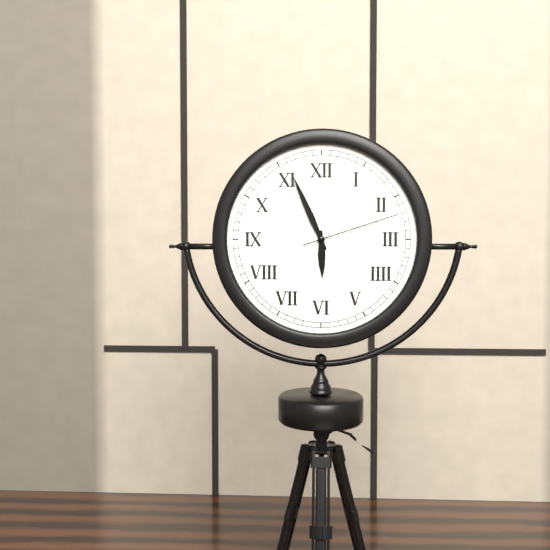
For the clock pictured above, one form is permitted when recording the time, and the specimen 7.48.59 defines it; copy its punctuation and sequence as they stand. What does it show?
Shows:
5.56.12
